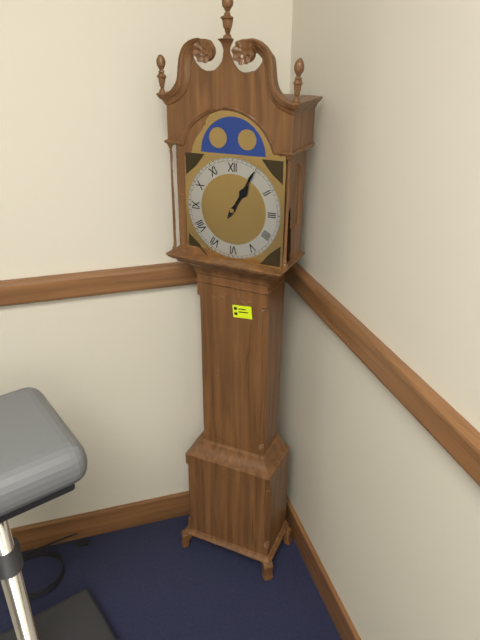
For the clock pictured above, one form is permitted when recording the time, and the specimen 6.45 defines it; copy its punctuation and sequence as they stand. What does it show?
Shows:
1.05
